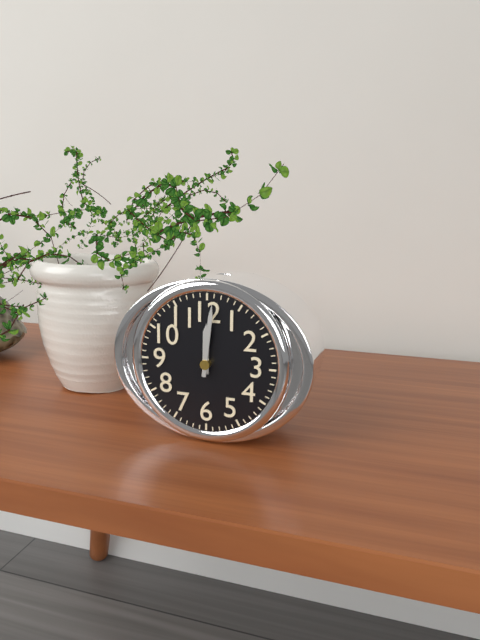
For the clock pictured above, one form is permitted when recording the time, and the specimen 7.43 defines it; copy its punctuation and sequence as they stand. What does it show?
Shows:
12.01
